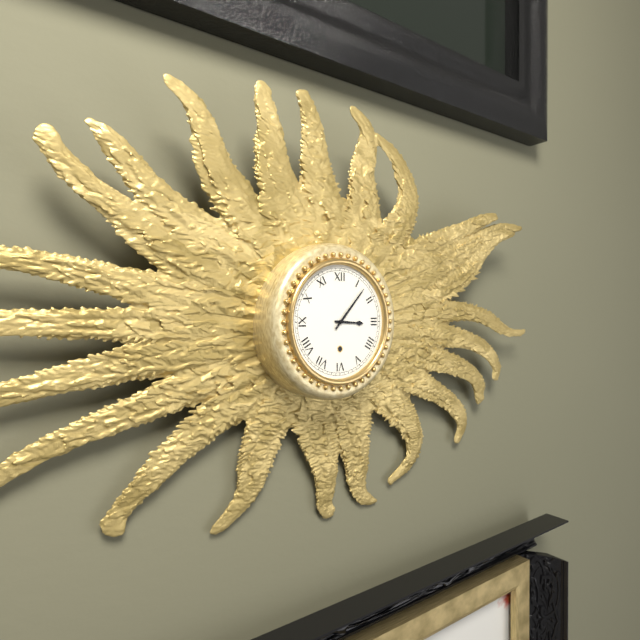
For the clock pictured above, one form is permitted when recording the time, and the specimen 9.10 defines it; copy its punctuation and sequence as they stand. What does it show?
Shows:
3.07
